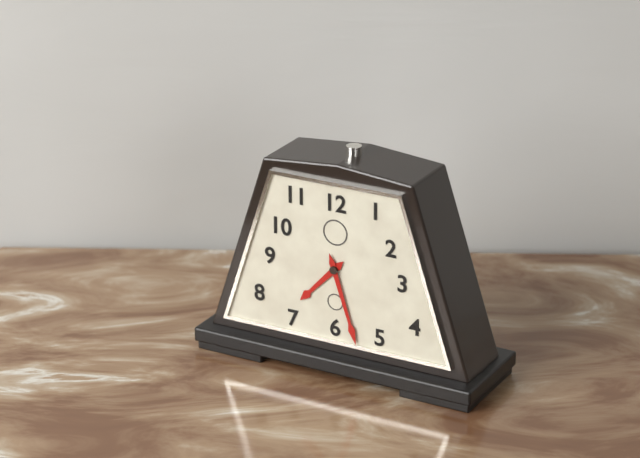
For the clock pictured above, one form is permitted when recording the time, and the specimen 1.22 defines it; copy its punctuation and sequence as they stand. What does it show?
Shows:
7.27
